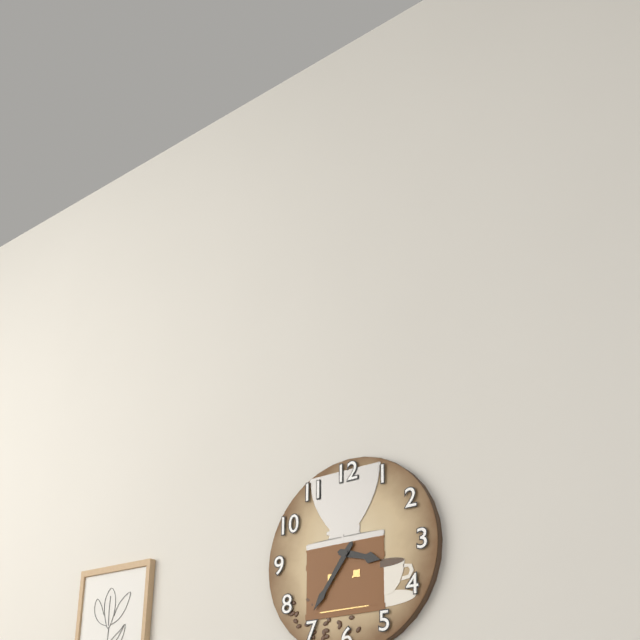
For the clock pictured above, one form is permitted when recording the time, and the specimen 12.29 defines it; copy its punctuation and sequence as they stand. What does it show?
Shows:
3.36
